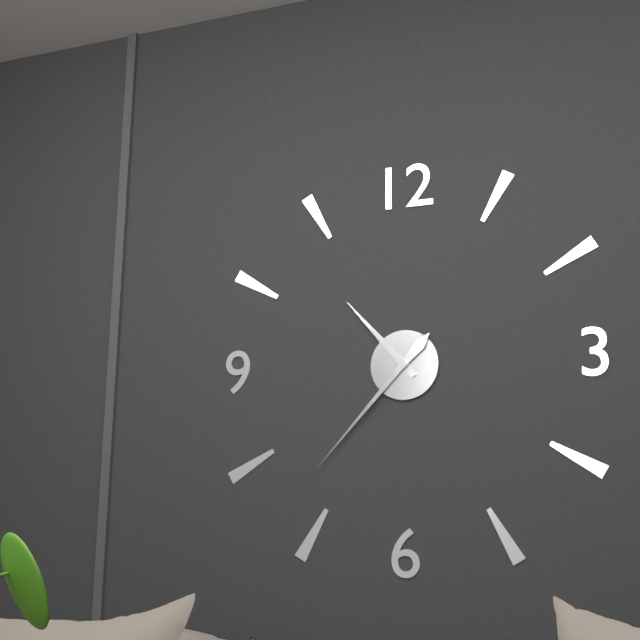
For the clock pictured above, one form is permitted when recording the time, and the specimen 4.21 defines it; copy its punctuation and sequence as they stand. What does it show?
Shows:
10.37
